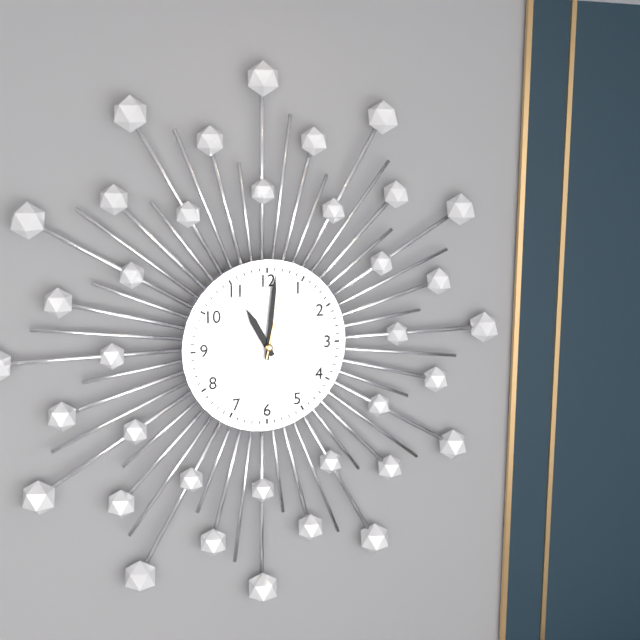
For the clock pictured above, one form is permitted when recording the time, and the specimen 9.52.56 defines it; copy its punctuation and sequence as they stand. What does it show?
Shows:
11.01.02
